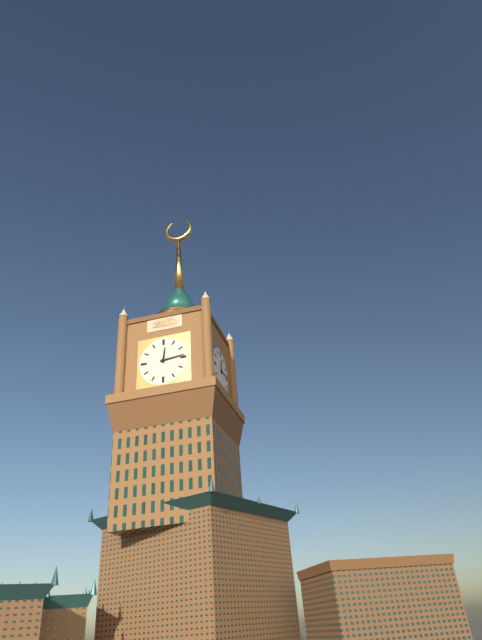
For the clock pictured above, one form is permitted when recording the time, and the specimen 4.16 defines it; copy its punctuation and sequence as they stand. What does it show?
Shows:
12.14
